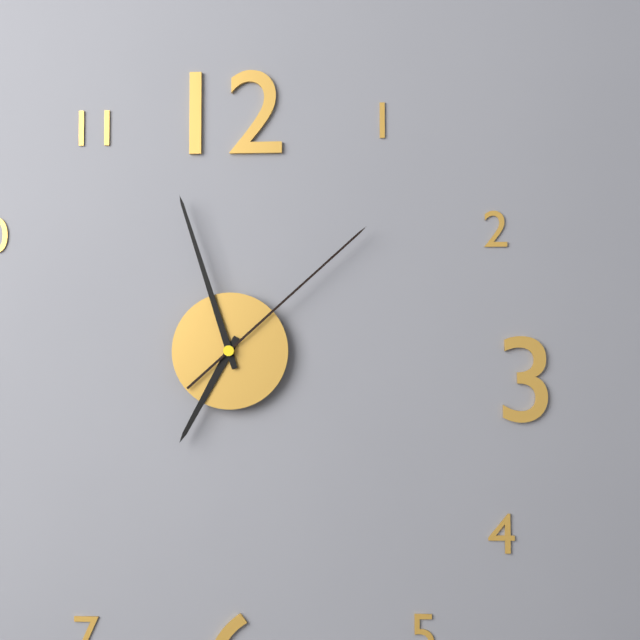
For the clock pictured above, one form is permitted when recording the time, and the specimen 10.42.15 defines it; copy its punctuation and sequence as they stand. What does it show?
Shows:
6.57.08
